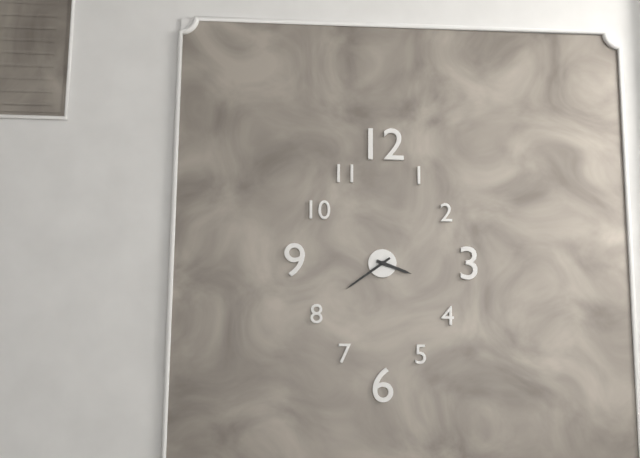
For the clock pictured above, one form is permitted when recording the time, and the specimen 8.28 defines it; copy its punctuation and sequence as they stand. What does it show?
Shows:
3.39
